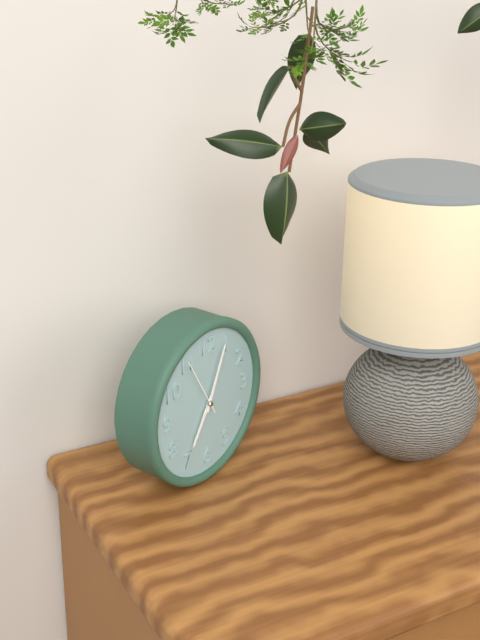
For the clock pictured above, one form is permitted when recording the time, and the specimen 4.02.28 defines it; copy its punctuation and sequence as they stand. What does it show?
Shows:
7.04.55
